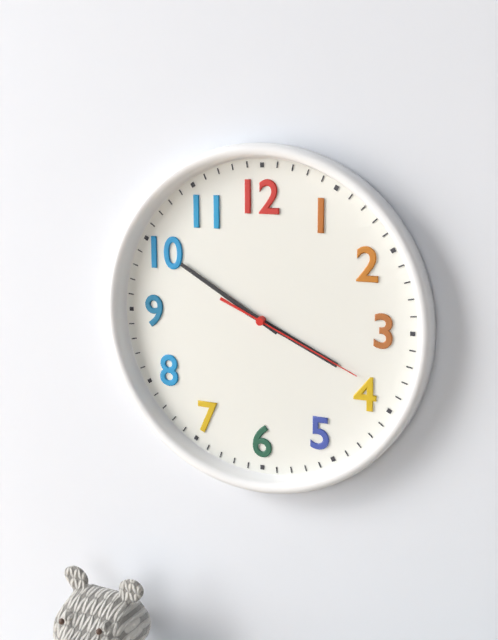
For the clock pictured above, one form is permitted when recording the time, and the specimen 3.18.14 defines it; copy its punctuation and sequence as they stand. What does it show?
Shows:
3.50.19
